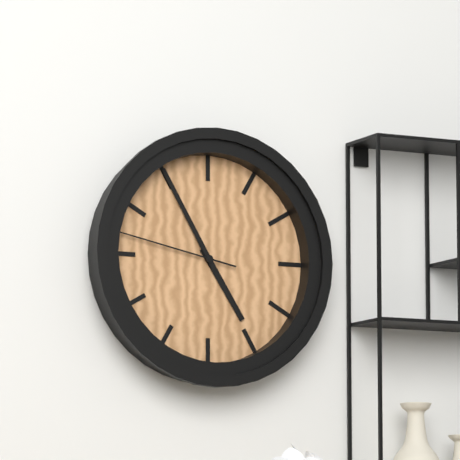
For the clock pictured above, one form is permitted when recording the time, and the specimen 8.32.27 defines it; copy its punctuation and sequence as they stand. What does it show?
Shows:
4.55.47
